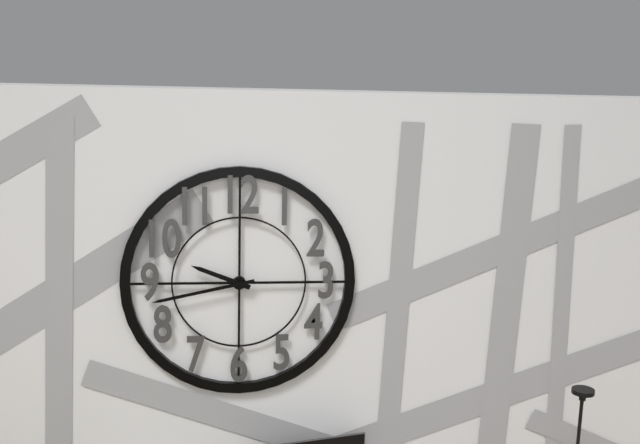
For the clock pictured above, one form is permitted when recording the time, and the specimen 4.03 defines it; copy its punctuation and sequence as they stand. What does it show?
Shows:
9.43
